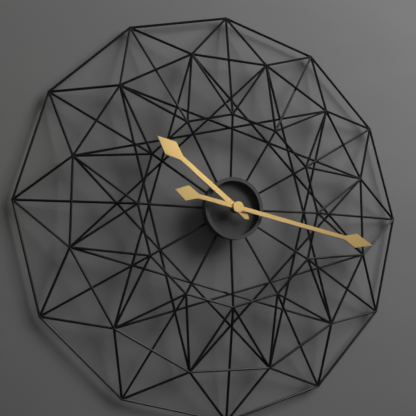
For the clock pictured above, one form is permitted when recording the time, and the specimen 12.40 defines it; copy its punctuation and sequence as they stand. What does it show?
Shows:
10.17
